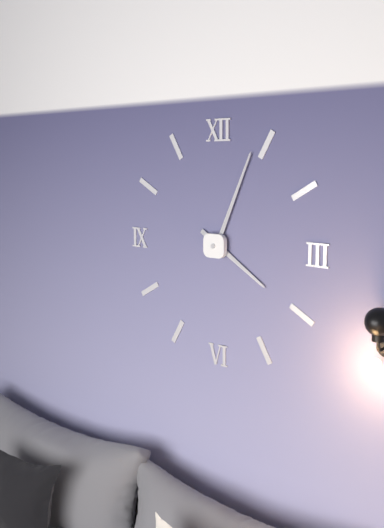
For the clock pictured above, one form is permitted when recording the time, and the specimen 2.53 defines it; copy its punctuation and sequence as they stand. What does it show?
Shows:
4.04
